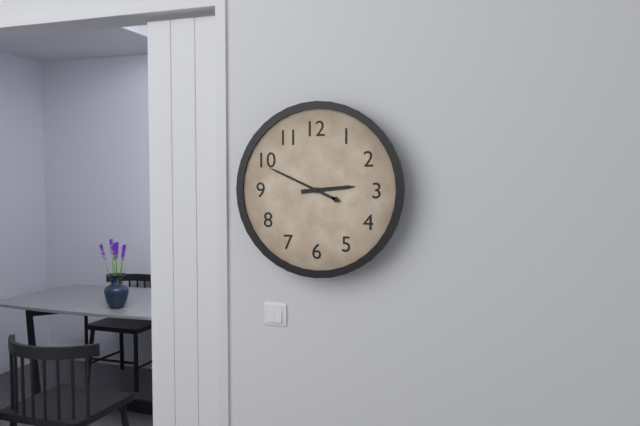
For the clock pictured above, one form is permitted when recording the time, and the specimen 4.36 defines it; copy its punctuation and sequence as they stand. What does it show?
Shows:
2.49
